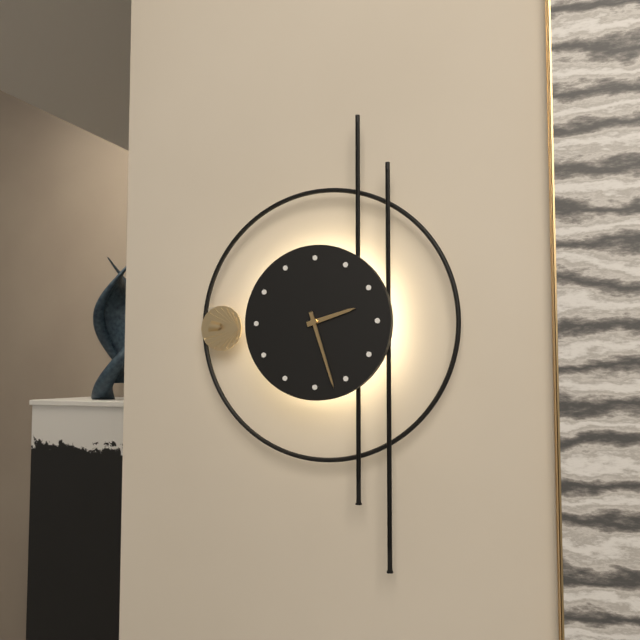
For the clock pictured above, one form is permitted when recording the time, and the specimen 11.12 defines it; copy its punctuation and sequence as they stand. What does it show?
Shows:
2.27
